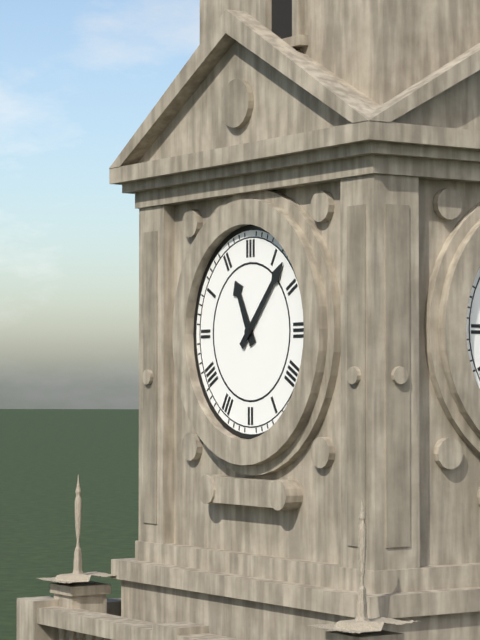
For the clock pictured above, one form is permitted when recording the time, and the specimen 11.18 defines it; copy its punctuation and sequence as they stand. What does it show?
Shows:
11.07
